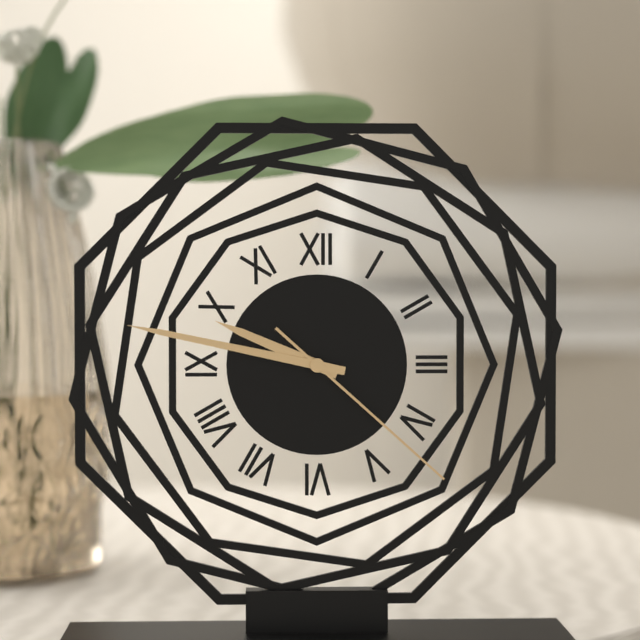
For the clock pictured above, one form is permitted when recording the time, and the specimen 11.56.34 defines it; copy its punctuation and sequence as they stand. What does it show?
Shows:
9.47.22
